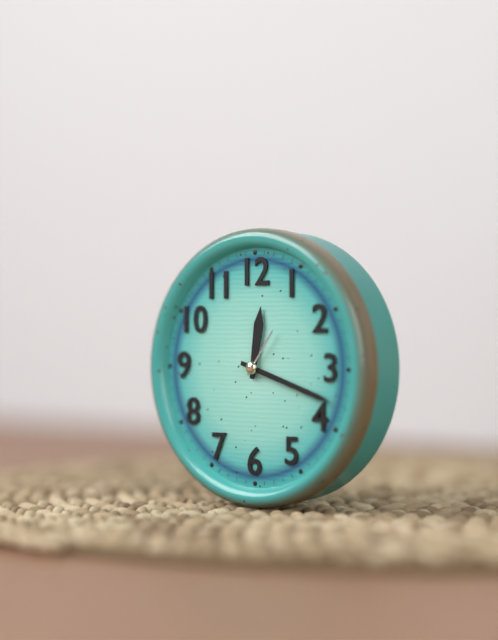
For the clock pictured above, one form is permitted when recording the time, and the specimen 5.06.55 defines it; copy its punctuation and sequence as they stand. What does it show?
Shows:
12.18.06
